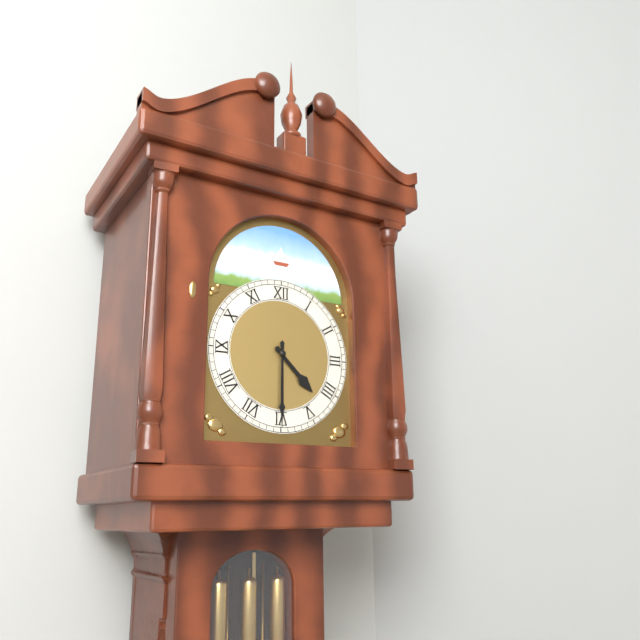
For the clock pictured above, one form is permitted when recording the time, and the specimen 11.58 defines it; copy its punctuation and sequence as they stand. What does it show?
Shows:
4.30
